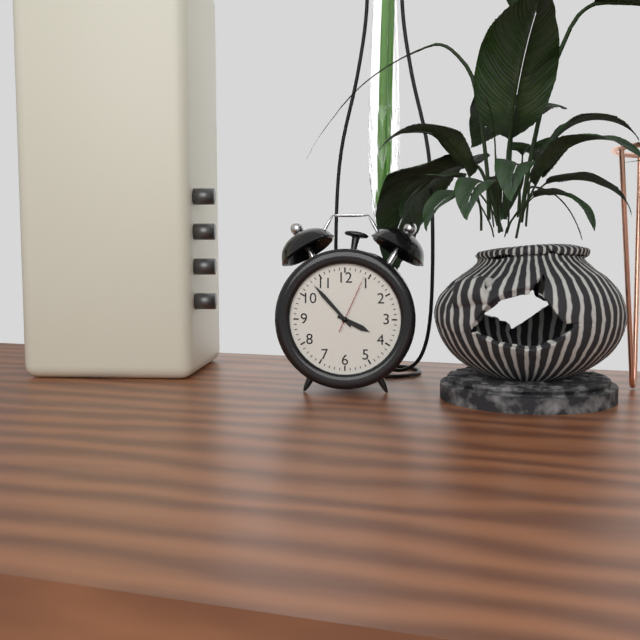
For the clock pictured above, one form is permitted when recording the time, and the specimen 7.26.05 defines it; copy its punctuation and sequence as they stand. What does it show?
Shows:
3.53.04
